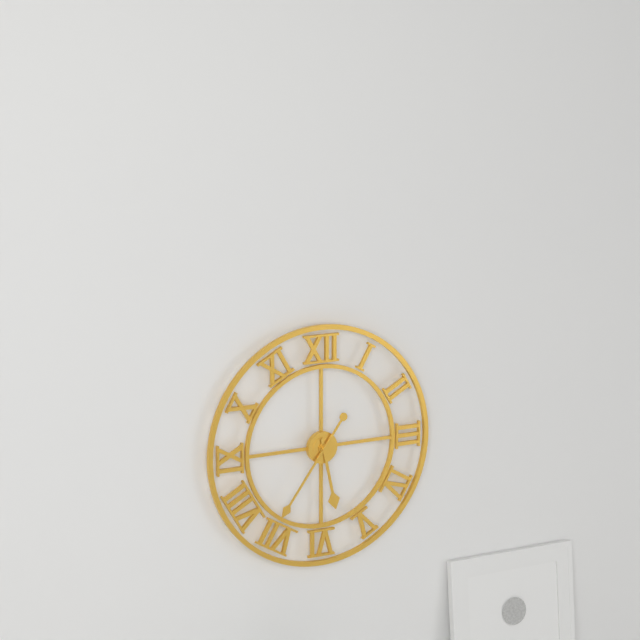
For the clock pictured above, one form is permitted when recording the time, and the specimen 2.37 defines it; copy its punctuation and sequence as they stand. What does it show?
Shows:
5.36
